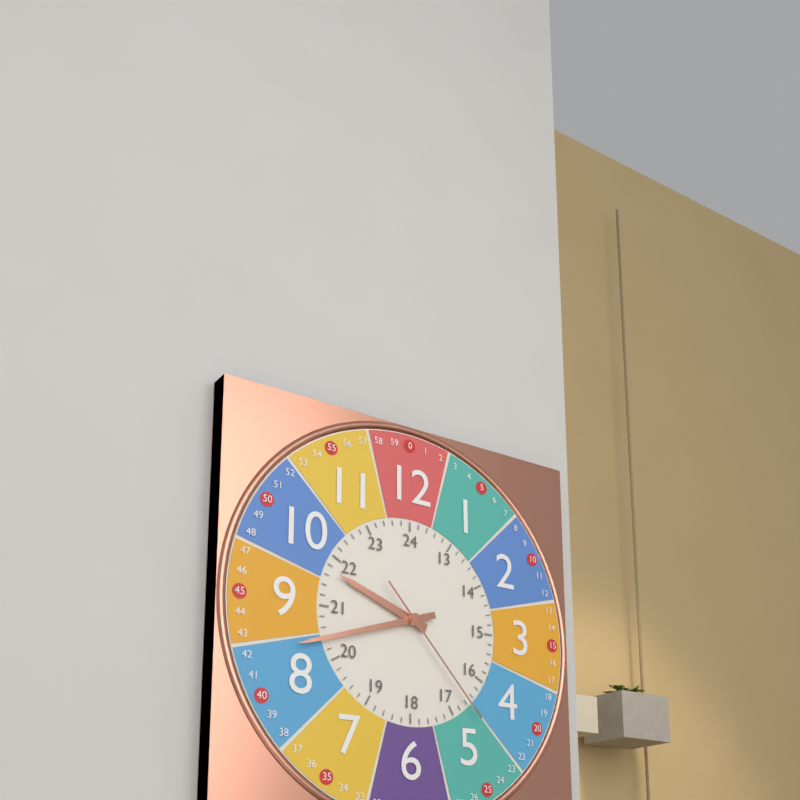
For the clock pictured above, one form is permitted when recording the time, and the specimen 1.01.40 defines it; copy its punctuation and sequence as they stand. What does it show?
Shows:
9.42.23
